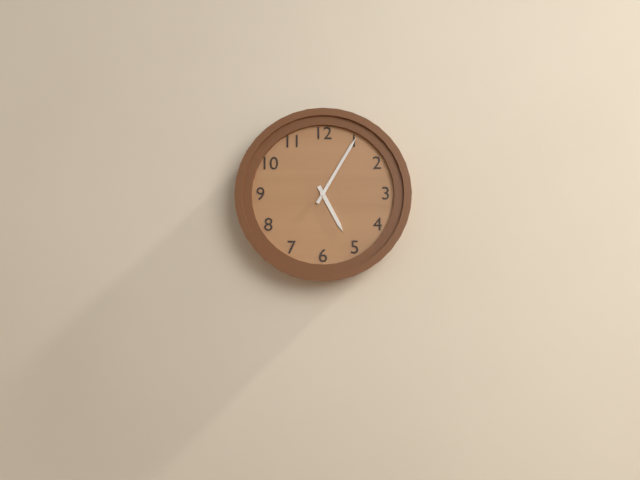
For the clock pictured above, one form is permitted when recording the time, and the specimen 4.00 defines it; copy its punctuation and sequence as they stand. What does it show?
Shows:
5.05
